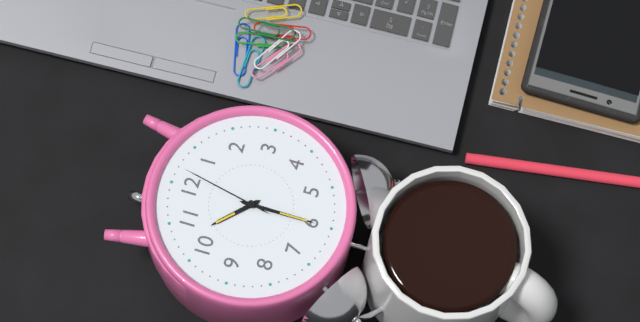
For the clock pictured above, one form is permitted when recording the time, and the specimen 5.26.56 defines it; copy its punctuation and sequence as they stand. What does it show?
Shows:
10.30.02
